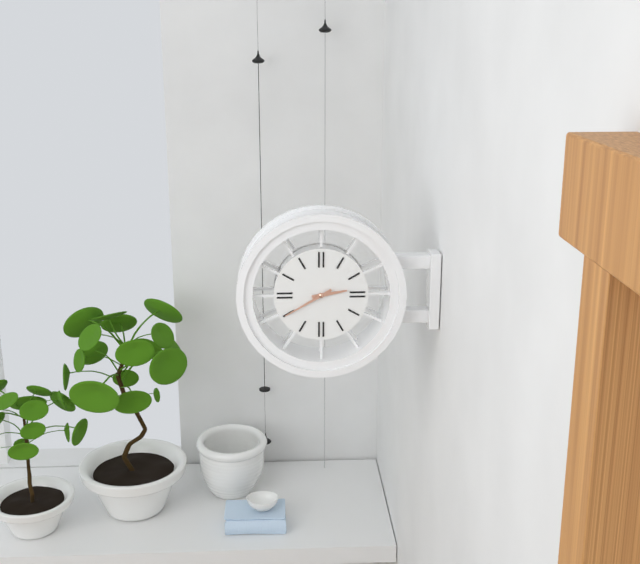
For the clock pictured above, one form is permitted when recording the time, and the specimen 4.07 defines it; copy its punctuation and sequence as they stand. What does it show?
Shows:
2.40
